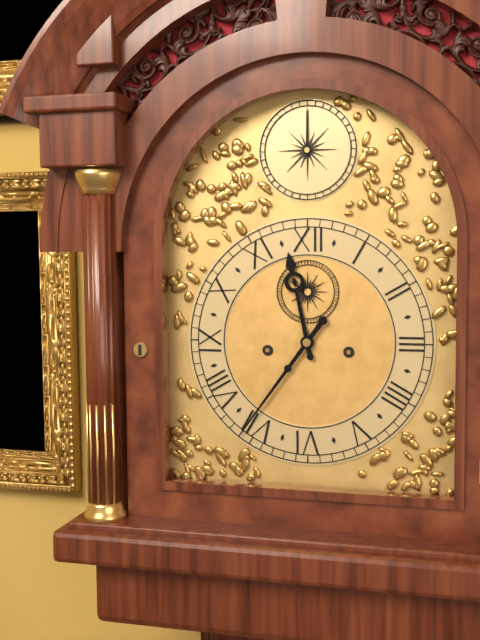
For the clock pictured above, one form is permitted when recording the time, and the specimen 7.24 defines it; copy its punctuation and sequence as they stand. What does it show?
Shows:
11.36
